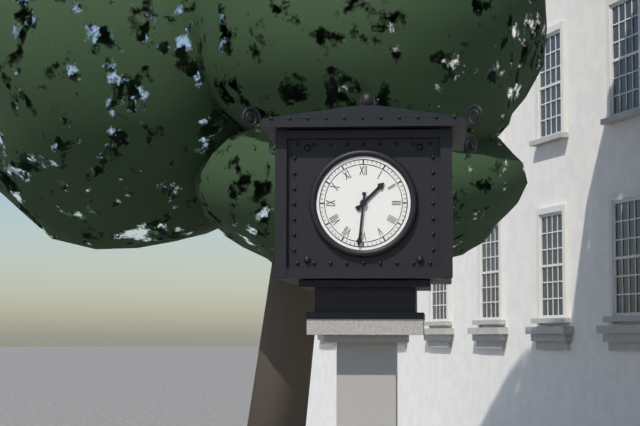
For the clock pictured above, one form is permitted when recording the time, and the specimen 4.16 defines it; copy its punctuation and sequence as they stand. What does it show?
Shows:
1.31
